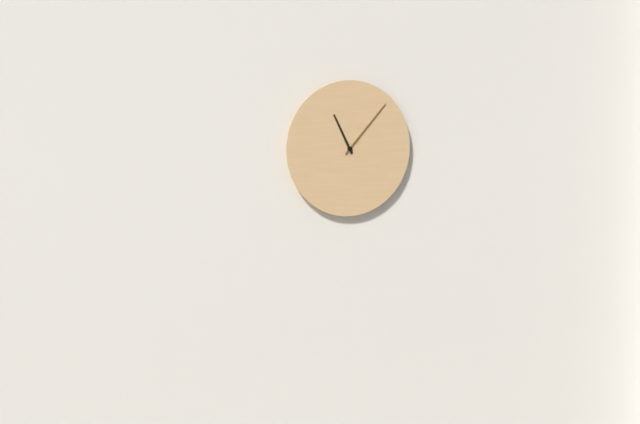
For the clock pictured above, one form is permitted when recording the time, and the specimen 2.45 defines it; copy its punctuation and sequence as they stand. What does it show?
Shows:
11.07
